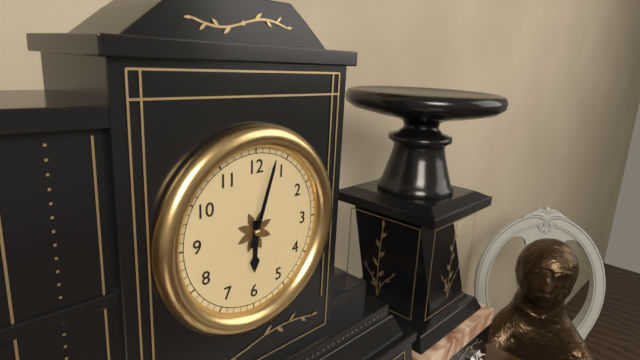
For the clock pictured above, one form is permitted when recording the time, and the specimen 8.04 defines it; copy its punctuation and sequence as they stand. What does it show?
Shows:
6.03
